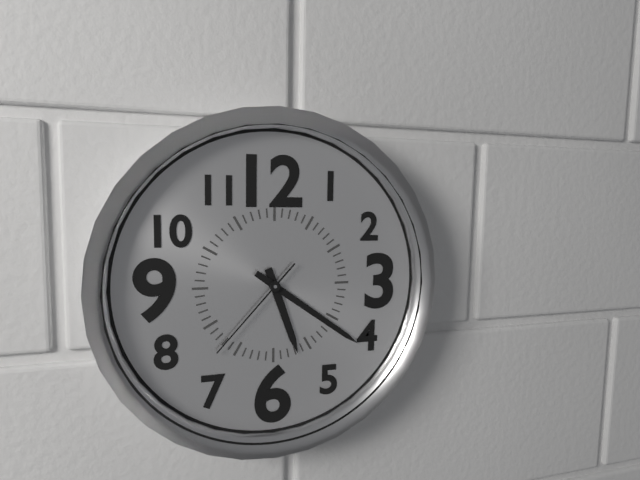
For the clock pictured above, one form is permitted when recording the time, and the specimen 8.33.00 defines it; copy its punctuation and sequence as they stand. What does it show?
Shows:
5.21.37
